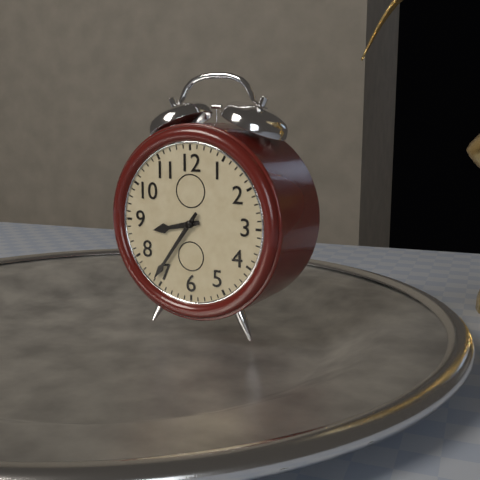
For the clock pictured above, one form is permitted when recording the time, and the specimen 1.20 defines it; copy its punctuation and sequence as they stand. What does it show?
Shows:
8.36
